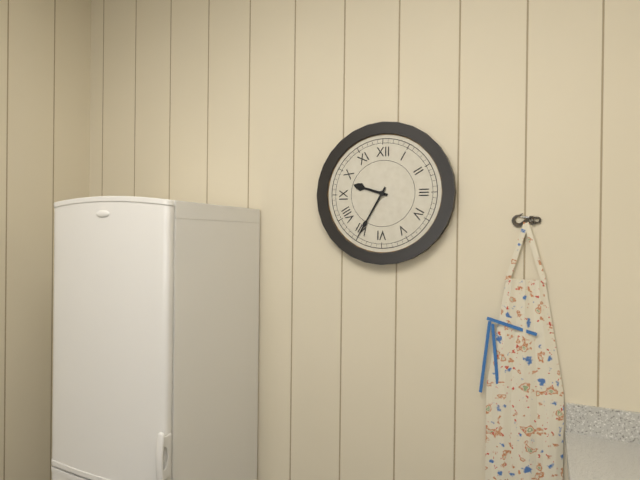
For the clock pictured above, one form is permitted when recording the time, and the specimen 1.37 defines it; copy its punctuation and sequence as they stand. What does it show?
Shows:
9.35
